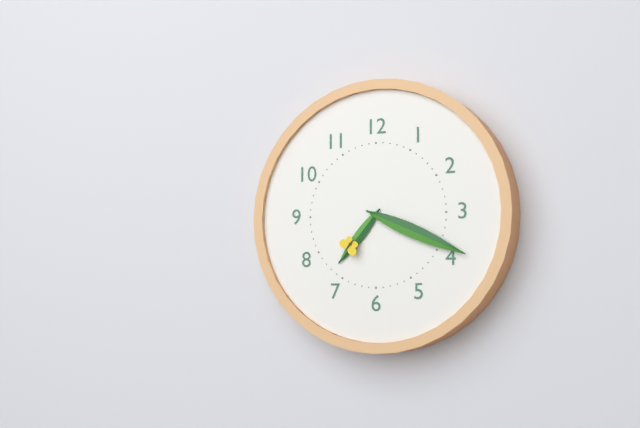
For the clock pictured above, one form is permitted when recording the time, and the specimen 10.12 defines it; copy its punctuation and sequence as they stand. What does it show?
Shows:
7.19
